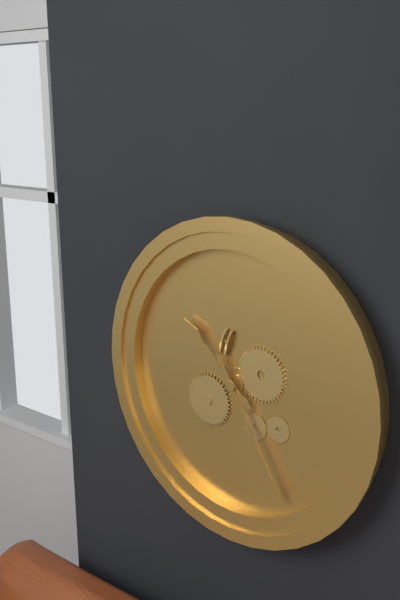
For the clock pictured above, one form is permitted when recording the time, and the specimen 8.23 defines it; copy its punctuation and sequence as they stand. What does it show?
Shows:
10.25
